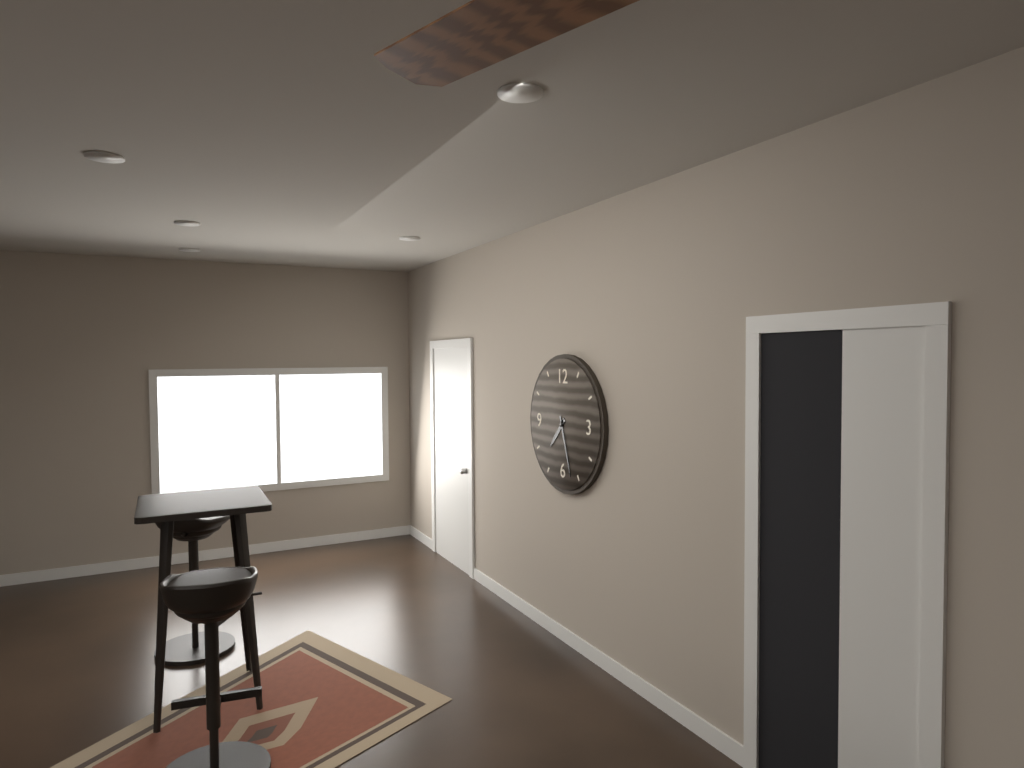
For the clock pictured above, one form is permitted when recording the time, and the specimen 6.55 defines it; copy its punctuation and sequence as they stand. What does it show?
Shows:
7.27
